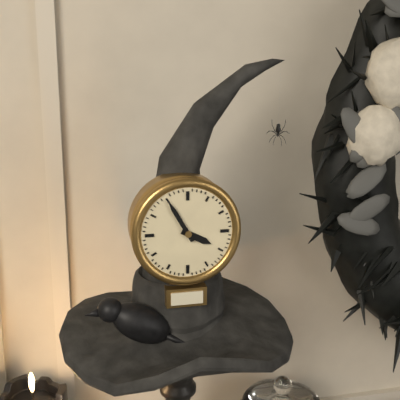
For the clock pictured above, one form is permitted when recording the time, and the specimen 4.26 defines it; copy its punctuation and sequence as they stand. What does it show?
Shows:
3.55
